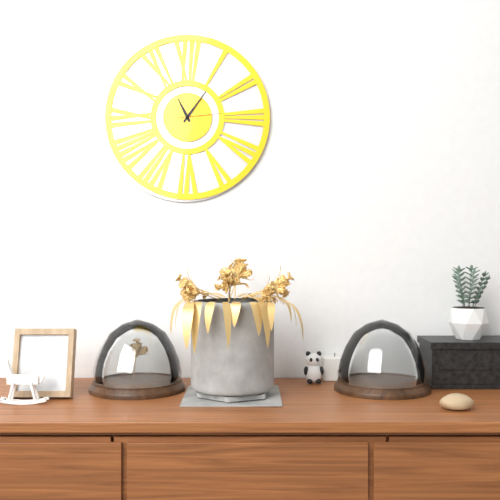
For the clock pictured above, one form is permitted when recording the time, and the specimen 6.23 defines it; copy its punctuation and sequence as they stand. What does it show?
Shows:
11.06
